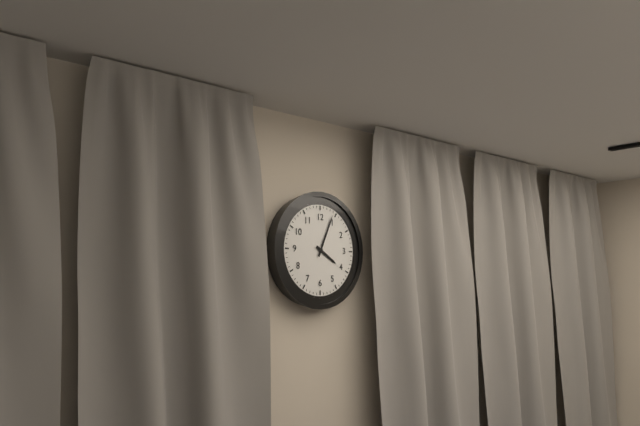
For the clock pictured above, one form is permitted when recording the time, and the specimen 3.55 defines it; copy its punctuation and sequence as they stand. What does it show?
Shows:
4.04
